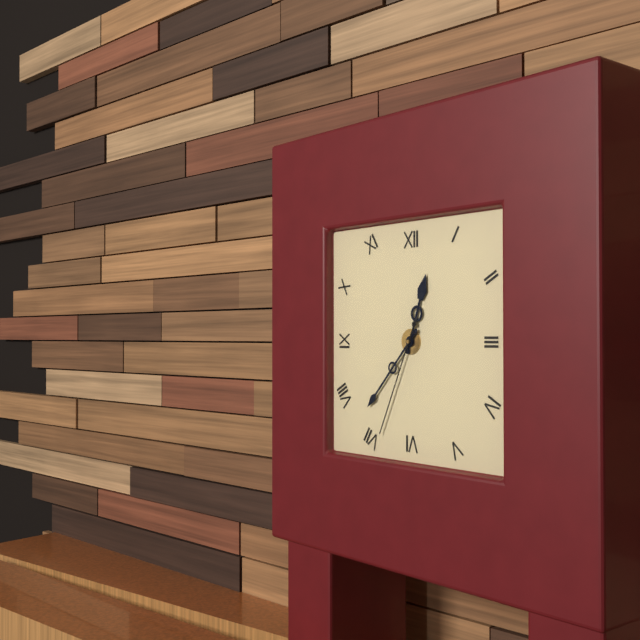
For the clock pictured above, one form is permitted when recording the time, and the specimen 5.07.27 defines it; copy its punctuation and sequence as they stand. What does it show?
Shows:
12.37.34
